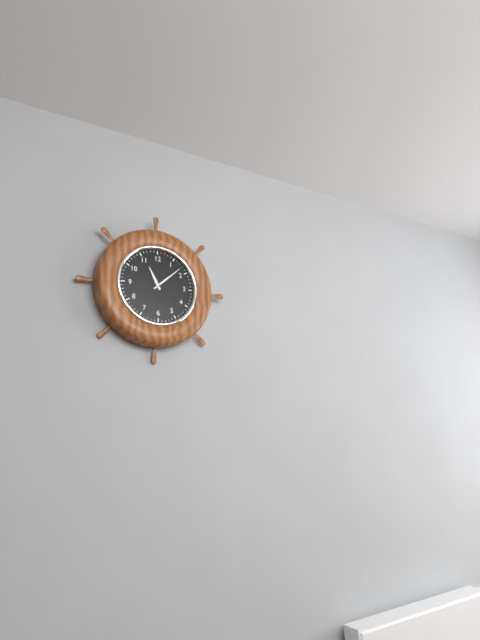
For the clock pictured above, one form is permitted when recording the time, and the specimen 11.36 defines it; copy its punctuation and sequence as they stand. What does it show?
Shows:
11.08
